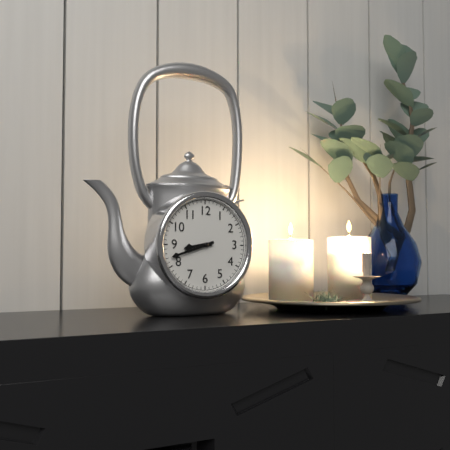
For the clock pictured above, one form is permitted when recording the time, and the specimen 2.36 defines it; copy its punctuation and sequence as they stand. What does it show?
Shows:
8.42
